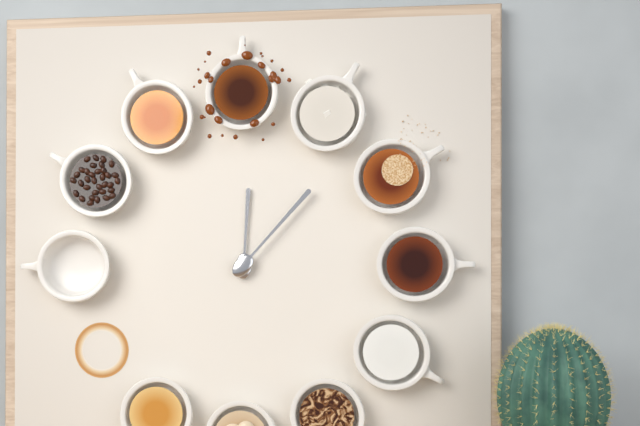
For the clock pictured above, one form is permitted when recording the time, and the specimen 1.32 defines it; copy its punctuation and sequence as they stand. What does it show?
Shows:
12.07
